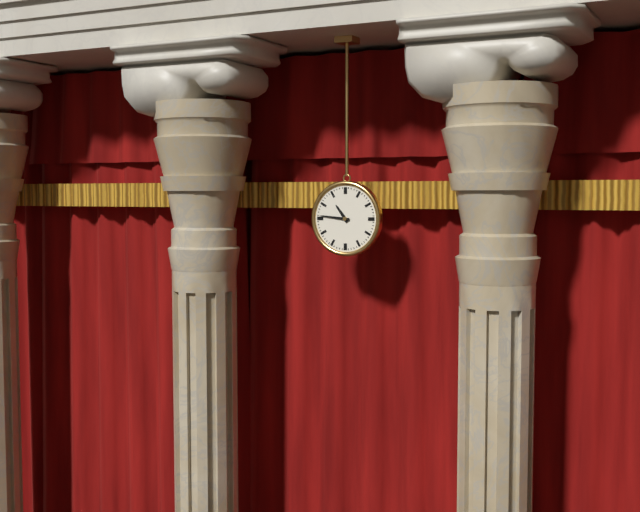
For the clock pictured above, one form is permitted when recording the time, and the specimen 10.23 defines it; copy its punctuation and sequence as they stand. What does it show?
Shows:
10.46
